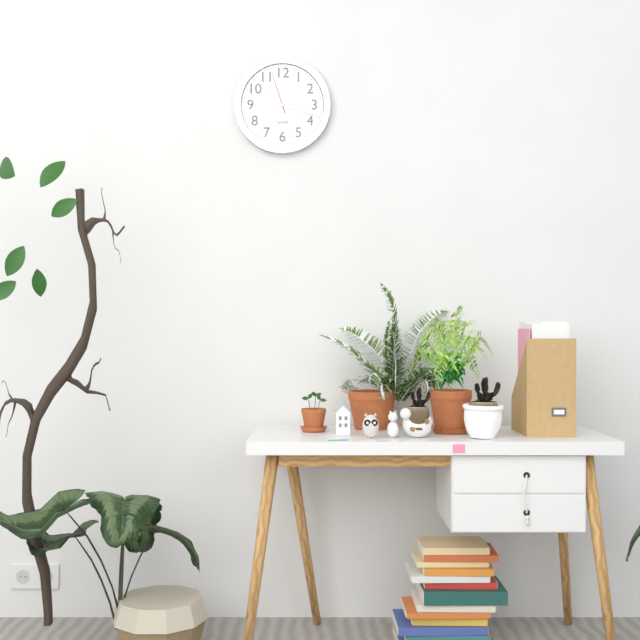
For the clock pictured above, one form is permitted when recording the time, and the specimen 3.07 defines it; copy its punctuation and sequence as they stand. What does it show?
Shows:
10.18
